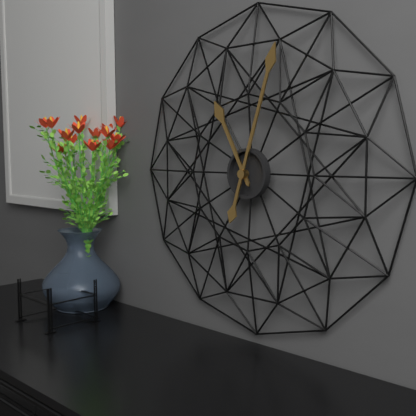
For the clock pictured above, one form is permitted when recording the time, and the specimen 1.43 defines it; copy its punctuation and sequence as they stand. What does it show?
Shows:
11.03
